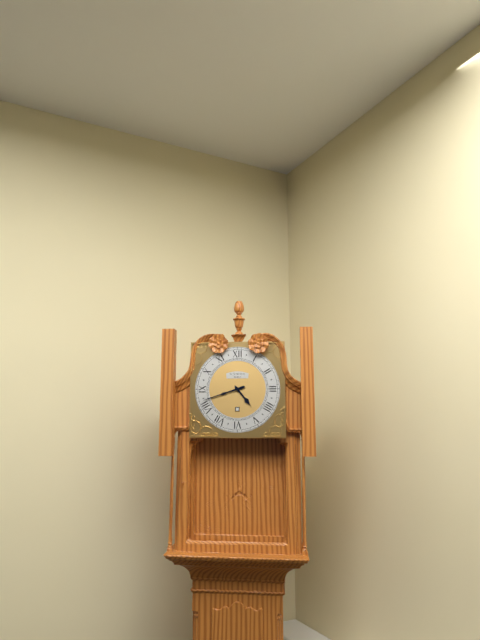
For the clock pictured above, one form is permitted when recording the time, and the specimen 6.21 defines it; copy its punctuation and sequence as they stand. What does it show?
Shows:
4.42
